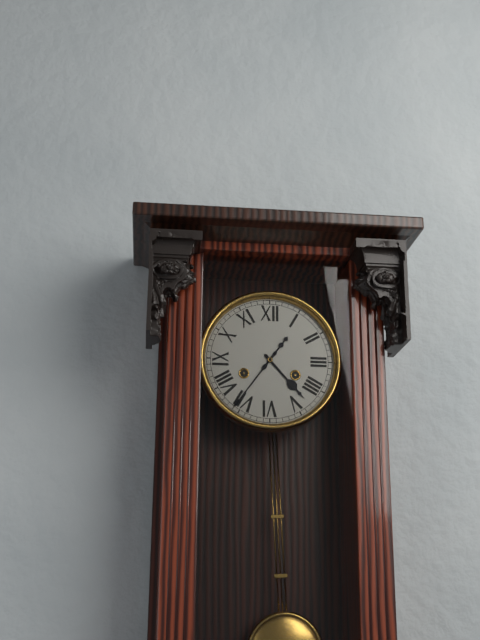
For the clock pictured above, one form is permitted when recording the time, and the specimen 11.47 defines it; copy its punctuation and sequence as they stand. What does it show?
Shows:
4.36
